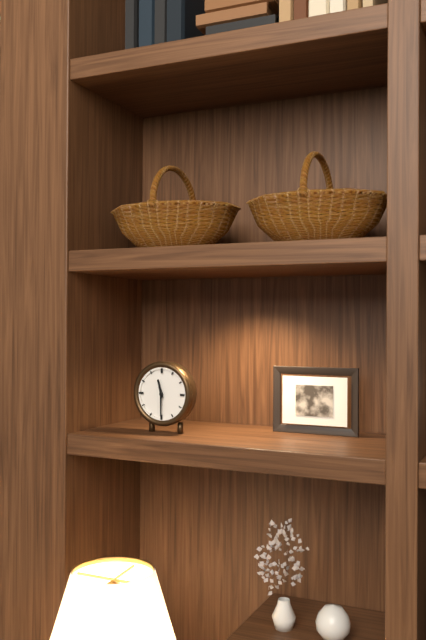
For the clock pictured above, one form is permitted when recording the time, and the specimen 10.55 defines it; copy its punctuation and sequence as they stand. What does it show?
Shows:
11.30
